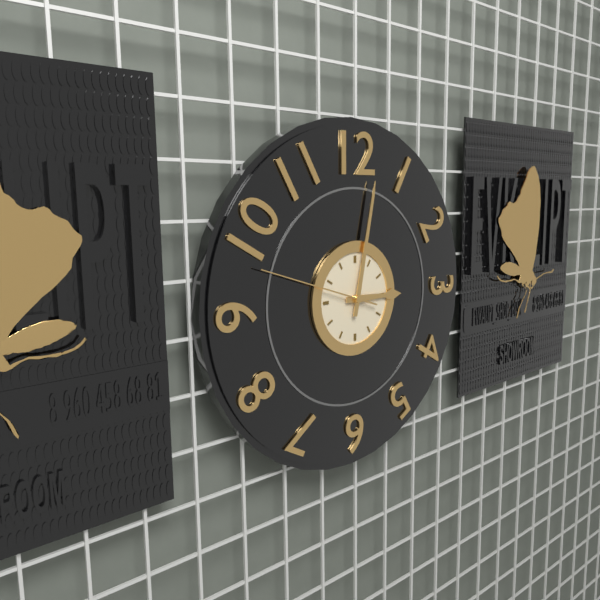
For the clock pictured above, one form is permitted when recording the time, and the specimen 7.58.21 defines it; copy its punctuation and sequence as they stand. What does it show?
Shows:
3.02.48
